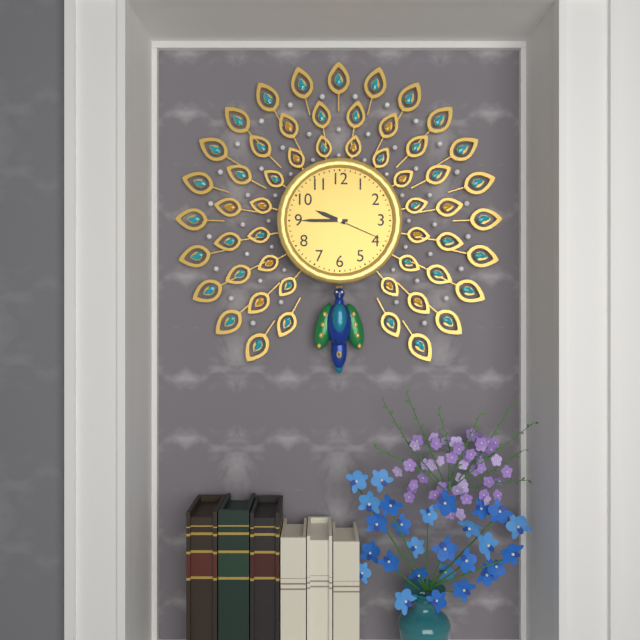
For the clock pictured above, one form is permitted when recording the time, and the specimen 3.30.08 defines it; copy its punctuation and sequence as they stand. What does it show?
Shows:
9.45.19
